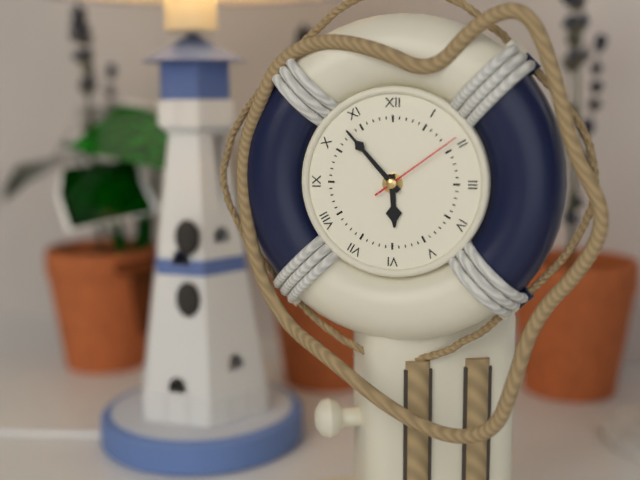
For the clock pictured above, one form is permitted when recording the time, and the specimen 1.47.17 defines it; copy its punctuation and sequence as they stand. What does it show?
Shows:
5.53.09
